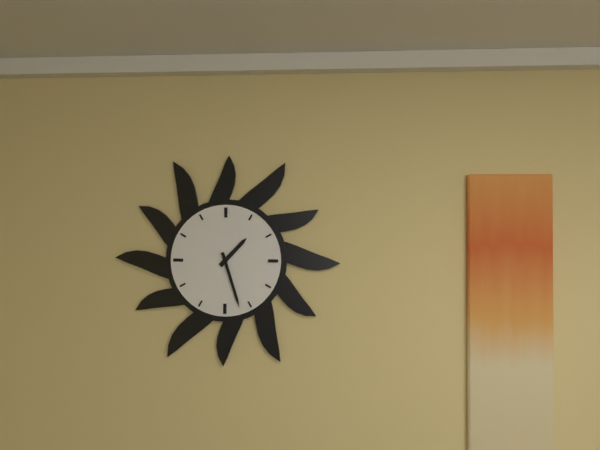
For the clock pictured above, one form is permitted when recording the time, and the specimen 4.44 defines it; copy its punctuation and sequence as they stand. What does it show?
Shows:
1.27
